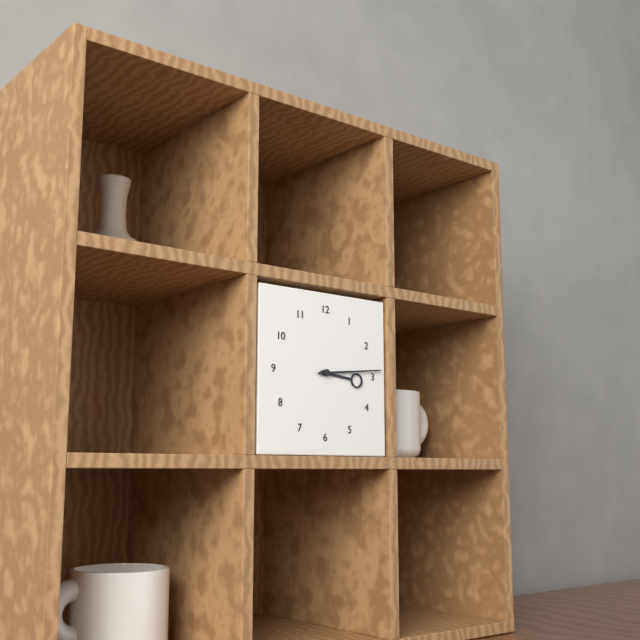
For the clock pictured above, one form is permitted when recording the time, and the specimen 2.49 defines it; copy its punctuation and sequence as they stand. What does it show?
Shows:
3.14
